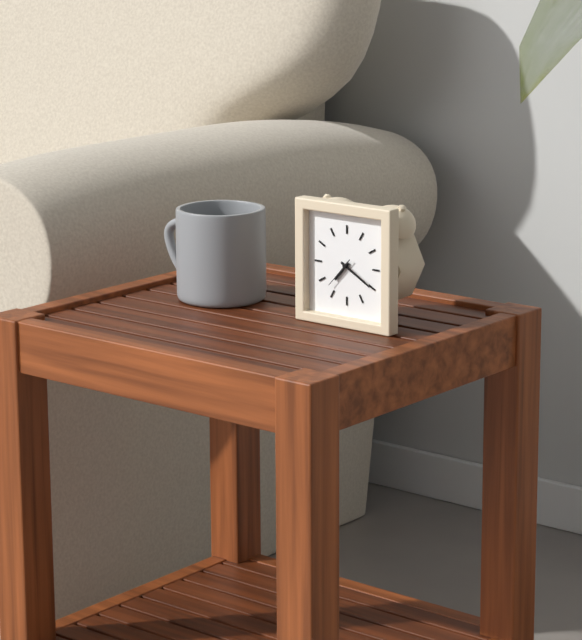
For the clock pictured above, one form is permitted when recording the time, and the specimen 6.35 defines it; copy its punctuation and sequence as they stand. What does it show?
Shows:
7.20
